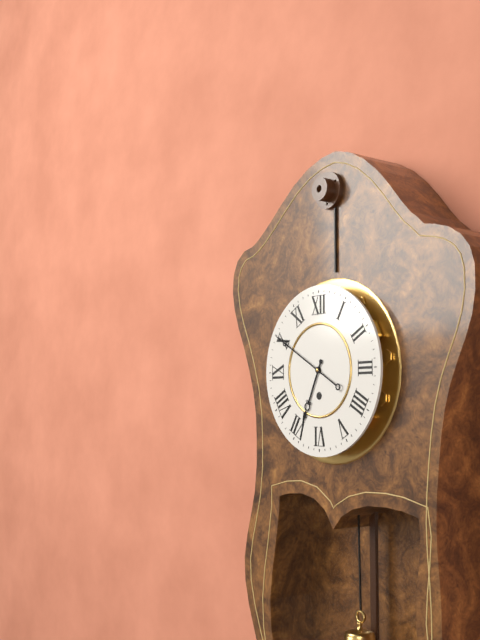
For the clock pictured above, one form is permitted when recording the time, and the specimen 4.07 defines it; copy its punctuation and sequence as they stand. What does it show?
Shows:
6.50
